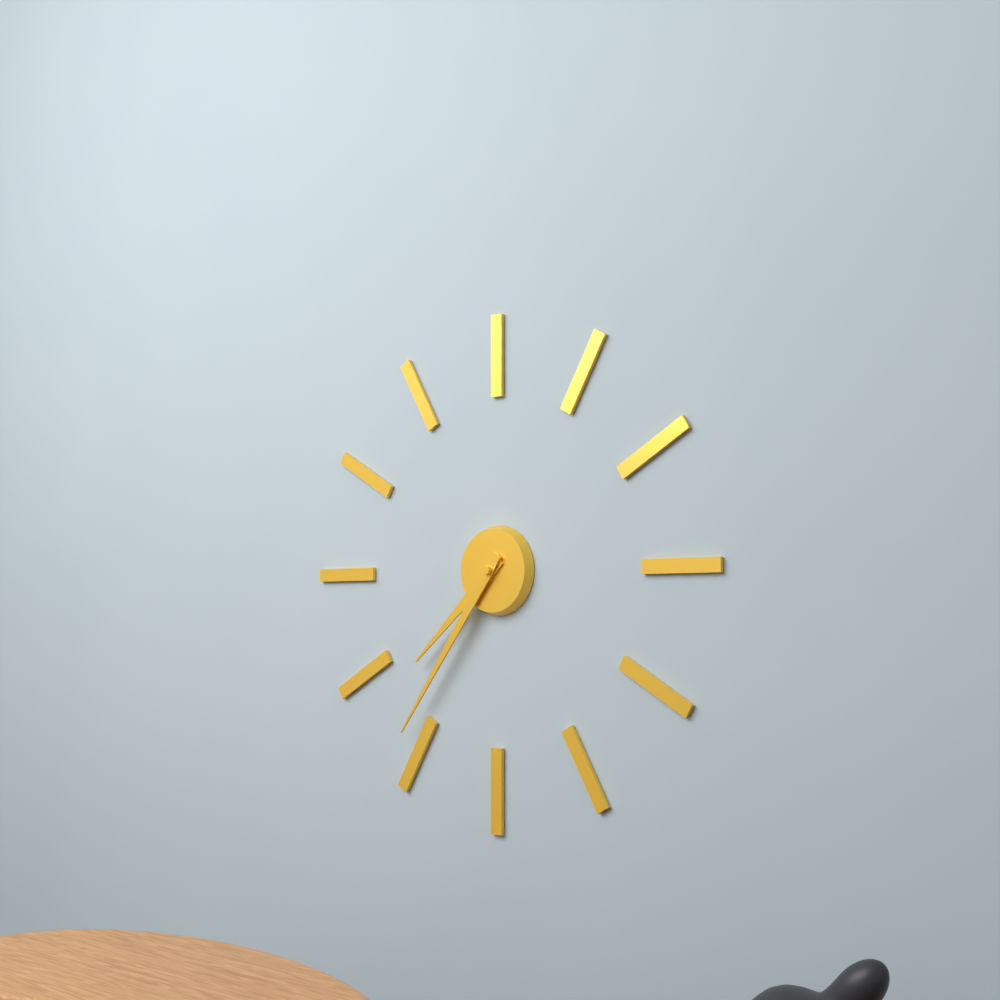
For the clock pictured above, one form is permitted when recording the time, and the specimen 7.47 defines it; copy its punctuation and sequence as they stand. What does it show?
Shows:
7.36
